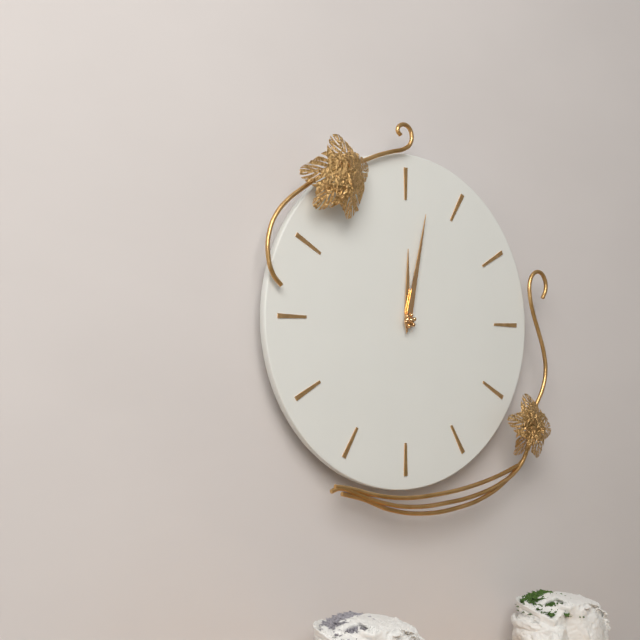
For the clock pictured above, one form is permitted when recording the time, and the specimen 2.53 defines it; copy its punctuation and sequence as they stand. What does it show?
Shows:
12.02
